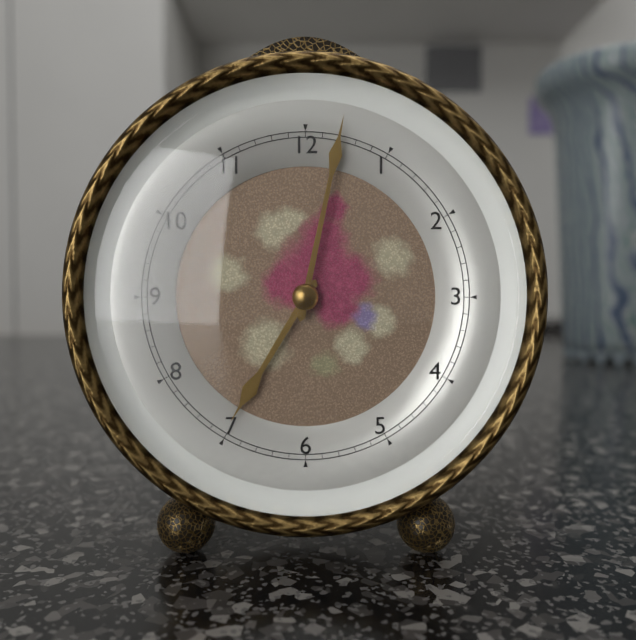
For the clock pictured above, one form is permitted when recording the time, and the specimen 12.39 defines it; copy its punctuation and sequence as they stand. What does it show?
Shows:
7.02
